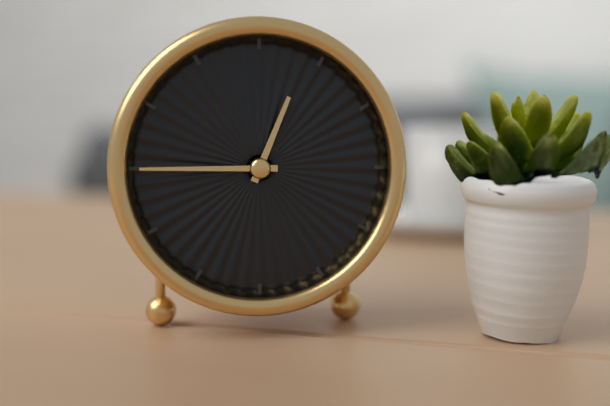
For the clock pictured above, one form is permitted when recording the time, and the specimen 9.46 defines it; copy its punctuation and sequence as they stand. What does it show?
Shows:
12.45
